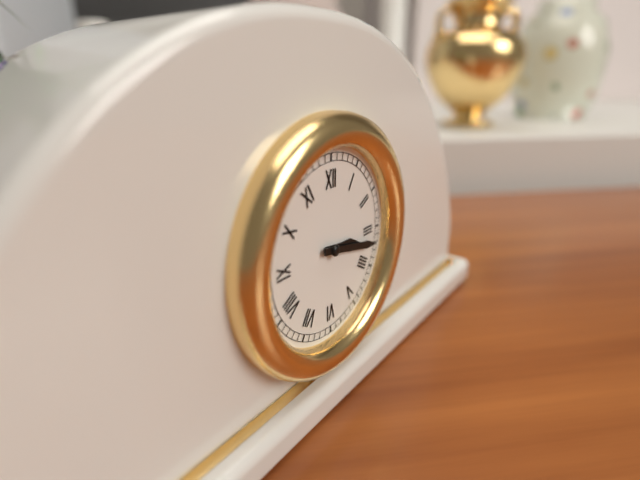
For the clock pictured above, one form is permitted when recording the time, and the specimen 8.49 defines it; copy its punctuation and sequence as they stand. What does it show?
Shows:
3.17
